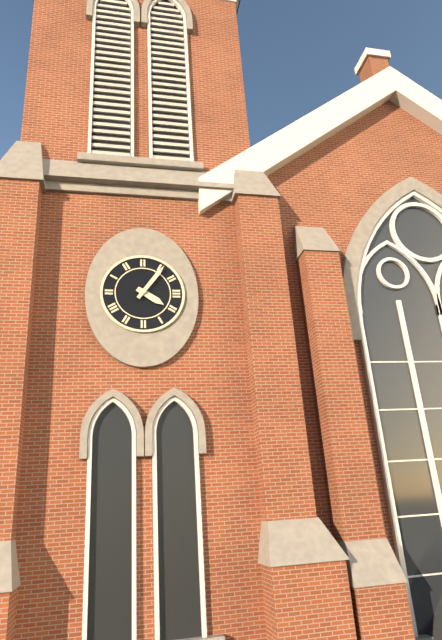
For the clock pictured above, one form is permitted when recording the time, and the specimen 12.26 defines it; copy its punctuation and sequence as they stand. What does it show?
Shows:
4.06
